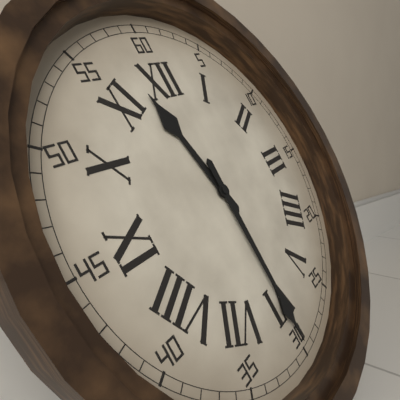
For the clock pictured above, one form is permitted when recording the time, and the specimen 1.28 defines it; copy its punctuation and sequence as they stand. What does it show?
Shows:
11.30
